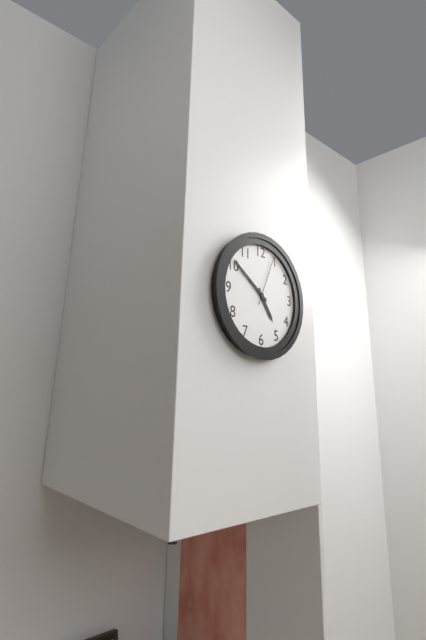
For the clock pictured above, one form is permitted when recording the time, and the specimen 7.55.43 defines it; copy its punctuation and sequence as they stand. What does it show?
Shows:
4.51.04
